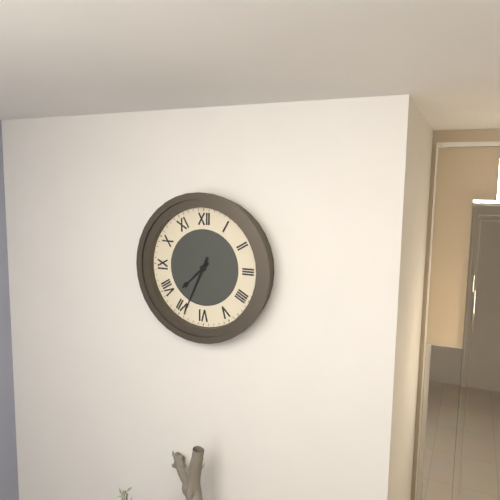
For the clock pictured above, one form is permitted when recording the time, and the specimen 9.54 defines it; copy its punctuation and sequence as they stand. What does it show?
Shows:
7.34
